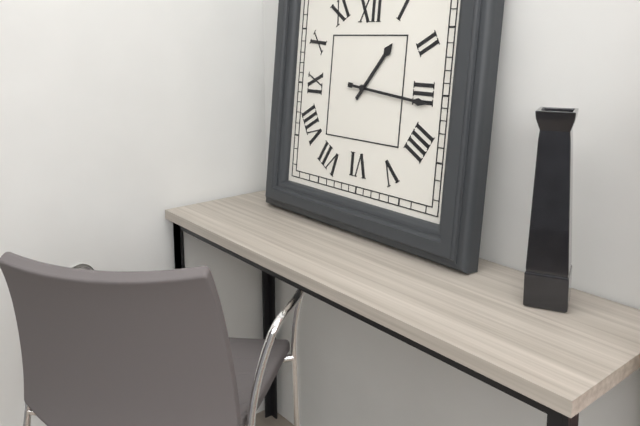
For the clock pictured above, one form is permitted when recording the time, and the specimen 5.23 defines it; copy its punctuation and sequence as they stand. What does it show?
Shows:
1.16
